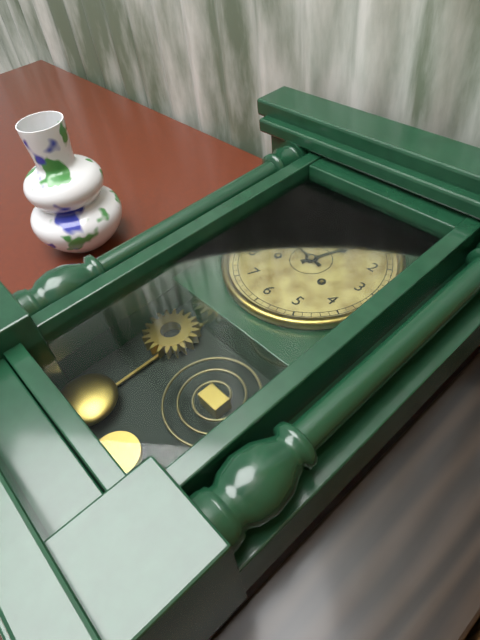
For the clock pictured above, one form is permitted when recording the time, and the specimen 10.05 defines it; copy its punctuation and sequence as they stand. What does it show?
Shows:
12.47
